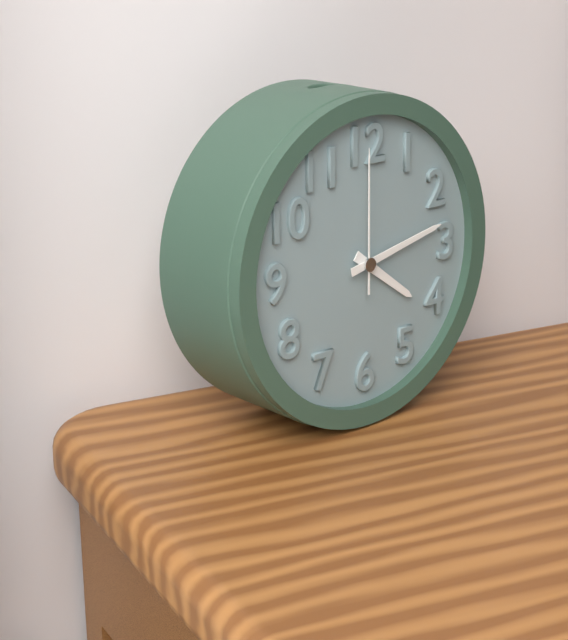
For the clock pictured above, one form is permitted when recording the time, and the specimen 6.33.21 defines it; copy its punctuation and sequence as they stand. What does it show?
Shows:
4.13.00
